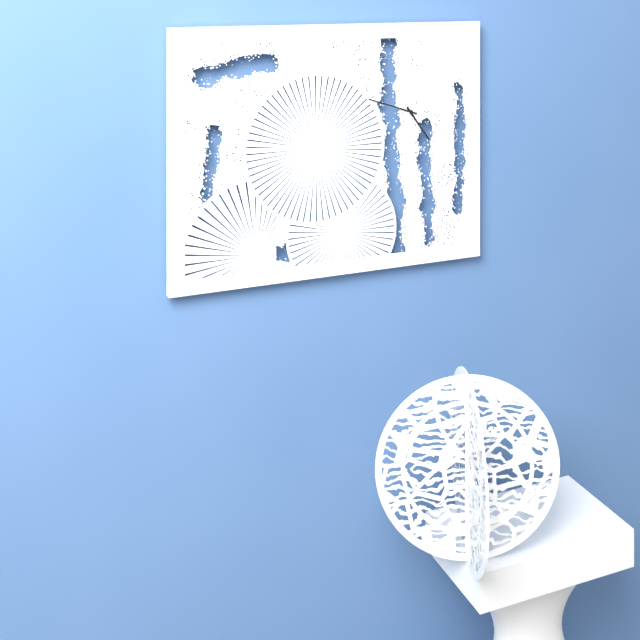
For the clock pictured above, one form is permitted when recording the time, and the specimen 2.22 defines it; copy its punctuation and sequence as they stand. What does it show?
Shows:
4.48
